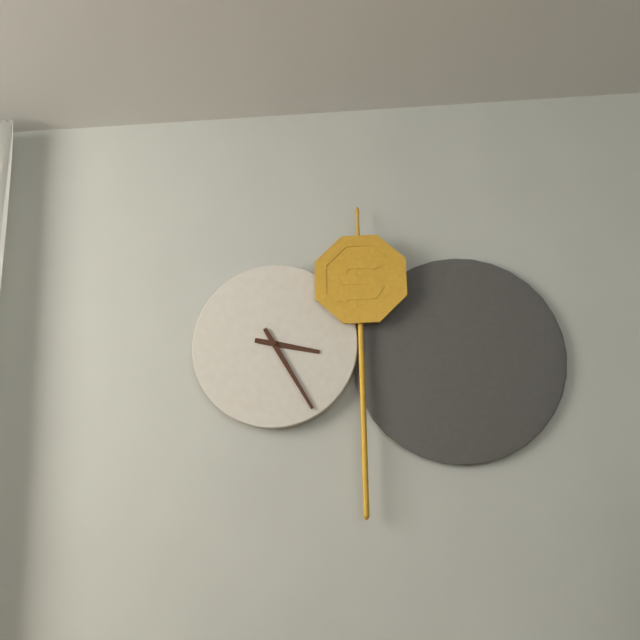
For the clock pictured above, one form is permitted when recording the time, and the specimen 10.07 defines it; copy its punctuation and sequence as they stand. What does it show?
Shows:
3.25
